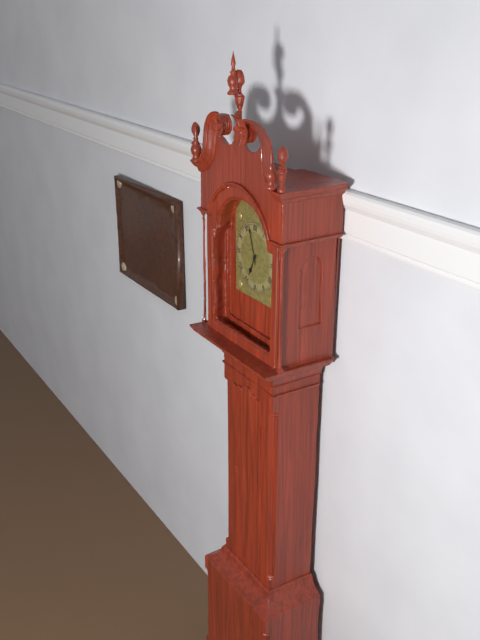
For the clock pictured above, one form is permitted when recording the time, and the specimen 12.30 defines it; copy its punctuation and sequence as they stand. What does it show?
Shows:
6.57
